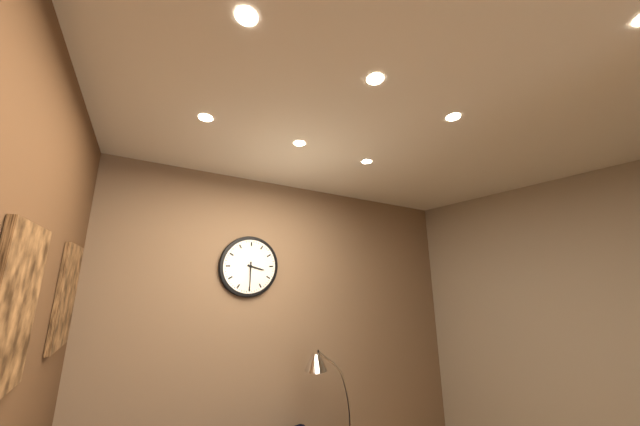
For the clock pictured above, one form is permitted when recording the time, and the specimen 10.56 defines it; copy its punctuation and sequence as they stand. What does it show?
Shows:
3.30
